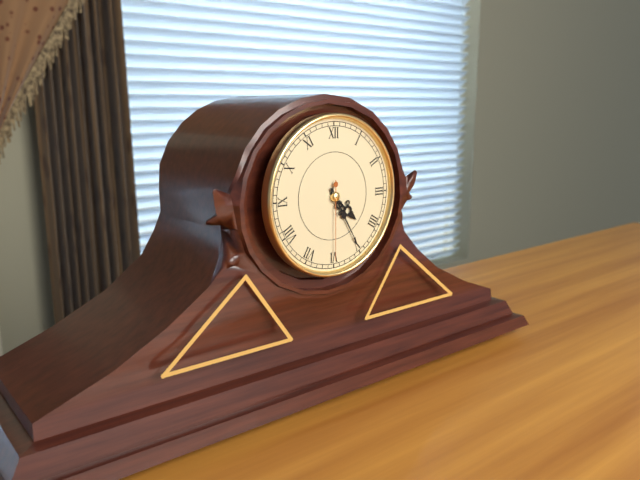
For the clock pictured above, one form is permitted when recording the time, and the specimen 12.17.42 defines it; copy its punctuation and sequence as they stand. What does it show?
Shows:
4.25.30
